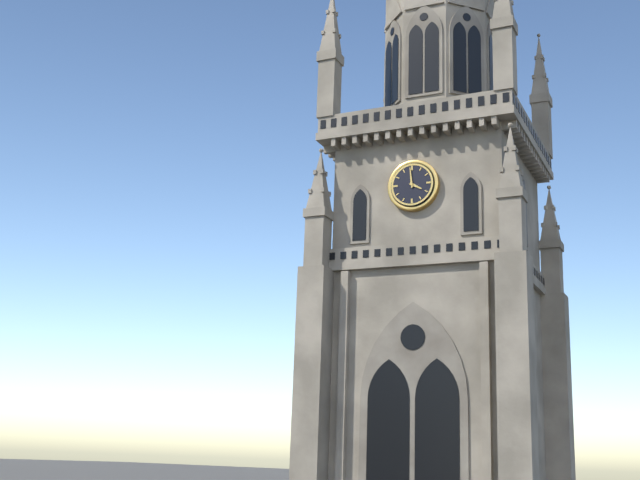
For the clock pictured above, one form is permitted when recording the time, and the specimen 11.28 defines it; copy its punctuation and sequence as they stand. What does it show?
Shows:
3.59
